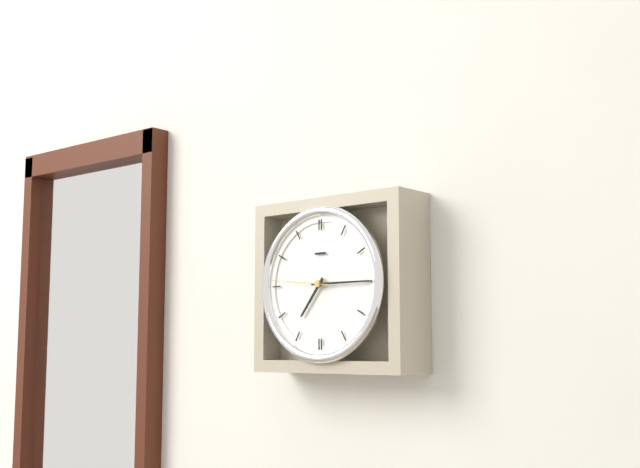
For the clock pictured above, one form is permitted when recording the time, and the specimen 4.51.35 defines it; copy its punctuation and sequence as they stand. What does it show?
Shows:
7.15.46
